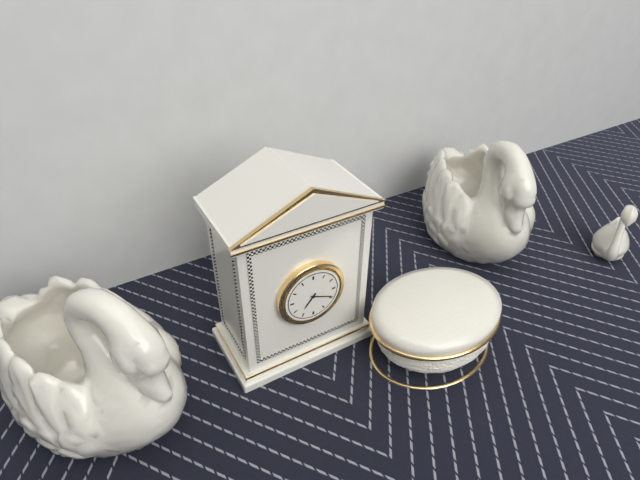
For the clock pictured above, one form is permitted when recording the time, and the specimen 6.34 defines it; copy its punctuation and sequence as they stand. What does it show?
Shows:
7.19
